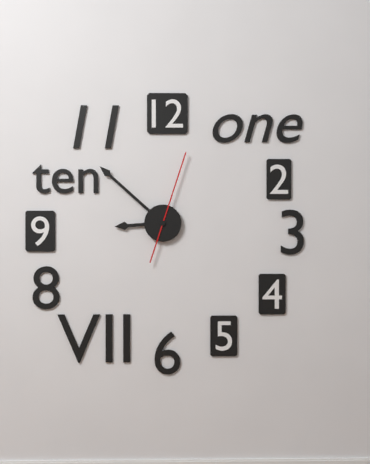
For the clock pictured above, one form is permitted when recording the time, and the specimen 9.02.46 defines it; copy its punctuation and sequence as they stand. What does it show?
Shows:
8.52.03
